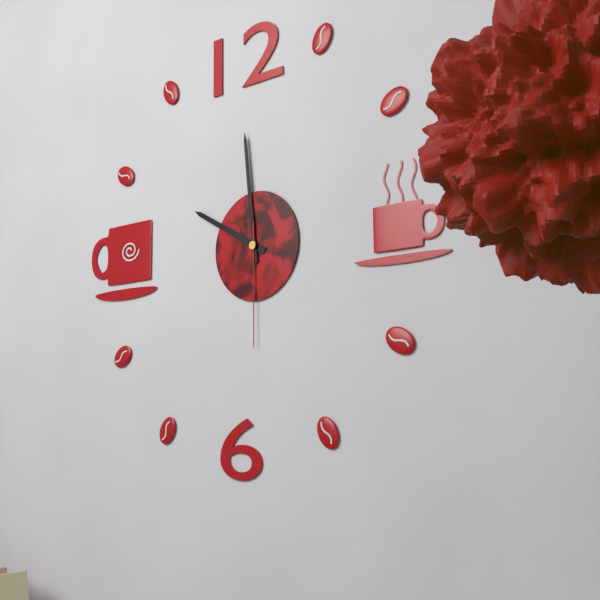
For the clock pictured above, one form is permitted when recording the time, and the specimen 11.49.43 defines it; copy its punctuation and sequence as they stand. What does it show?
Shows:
9.59.30
